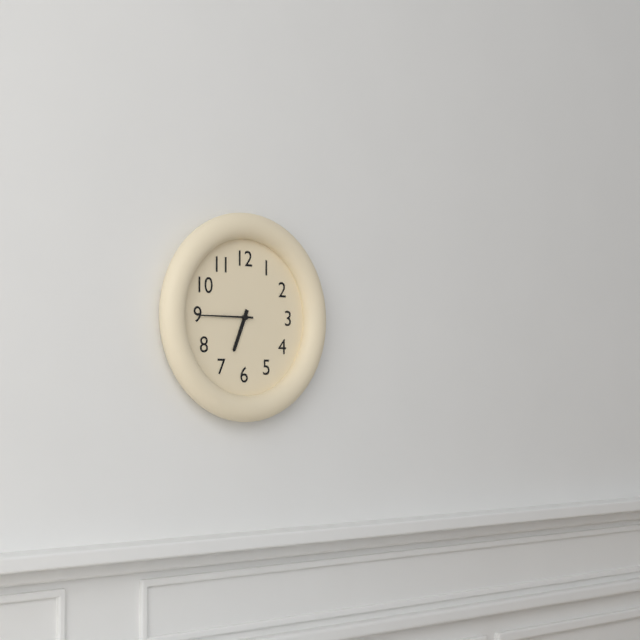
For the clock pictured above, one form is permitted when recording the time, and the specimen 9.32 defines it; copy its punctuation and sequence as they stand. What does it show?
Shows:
6.45
